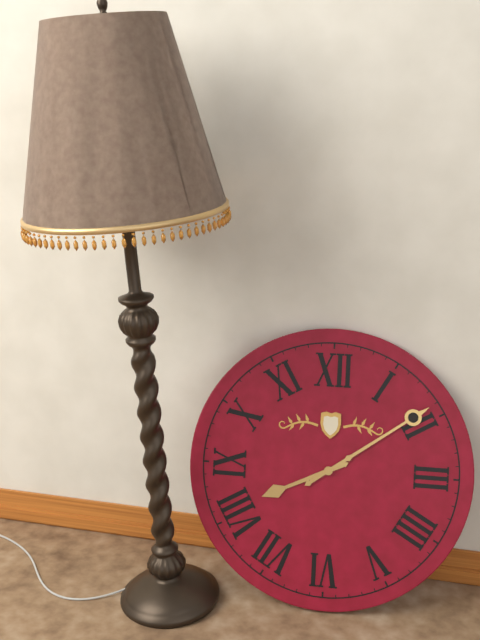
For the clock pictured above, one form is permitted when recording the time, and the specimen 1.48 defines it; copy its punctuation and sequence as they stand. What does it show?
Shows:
8.09
